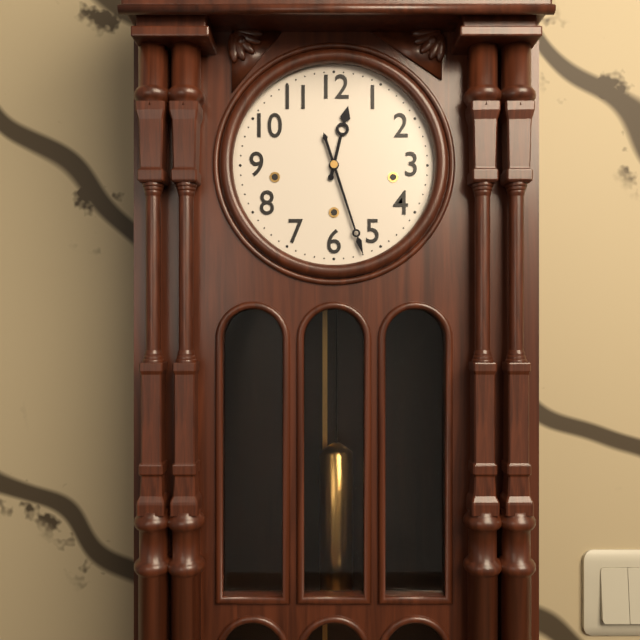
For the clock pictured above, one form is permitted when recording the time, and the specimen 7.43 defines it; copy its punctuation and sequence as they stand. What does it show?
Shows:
12.27
